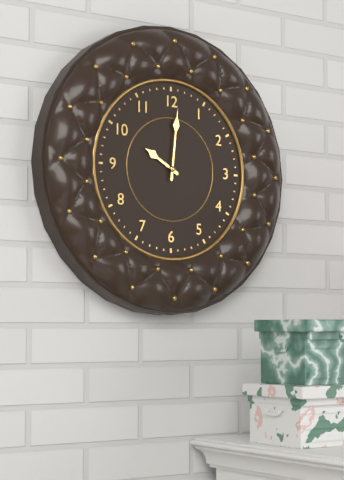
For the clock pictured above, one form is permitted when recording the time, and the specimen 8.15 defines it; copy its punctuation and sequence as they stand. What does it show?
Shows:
10.01
